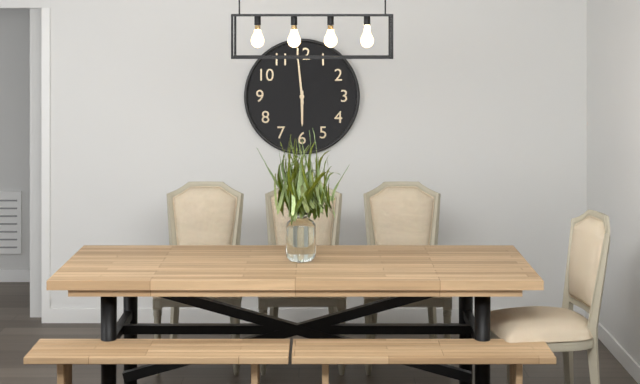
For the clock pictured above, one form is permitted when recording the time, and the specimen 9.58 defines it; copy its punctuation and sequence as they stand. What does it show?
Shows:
5.59
